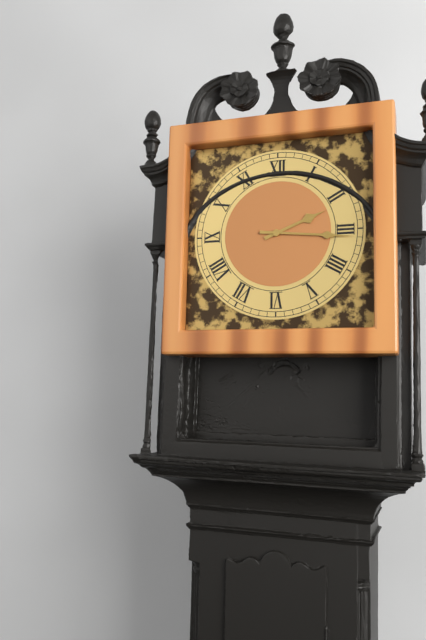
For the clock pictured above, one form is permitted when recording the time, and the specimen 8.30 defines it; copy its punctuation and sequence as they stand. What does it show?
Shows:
2.16
